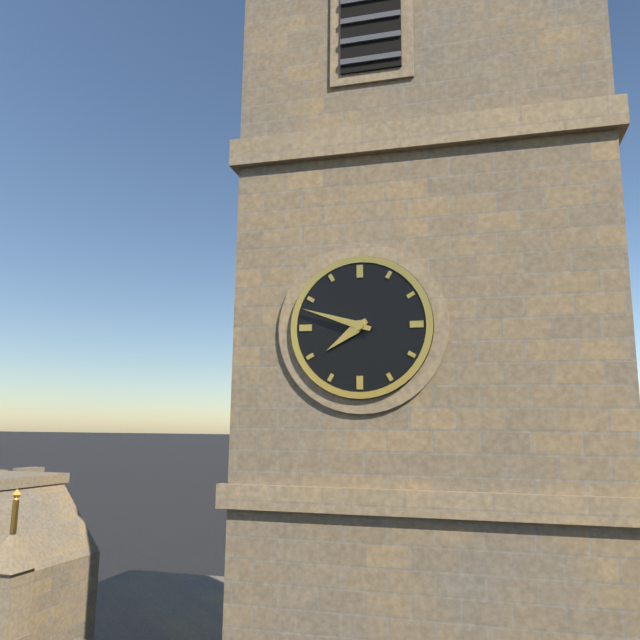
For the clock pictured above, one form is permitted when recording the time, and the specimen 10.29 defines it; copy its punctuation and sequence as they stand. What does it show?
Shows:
7.48
